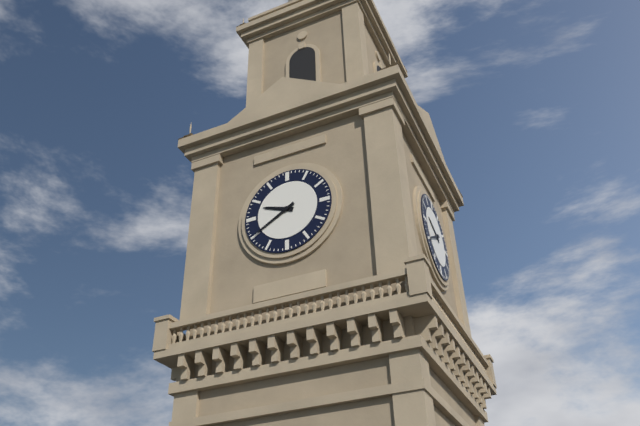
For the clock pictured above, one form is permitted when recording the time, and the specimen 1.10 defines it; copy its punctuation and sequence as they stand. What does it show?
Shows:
9.40
